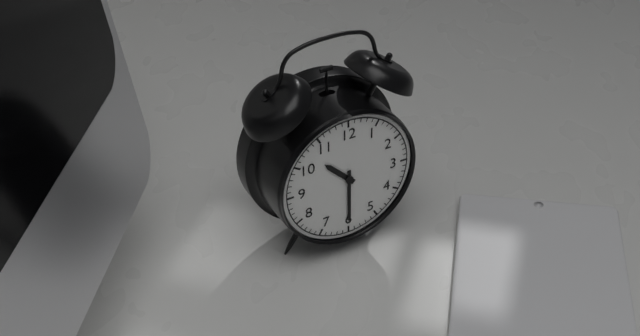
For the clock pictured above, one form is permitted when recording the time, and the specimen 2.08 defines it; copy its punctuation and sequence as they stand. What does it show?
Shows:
10.30
